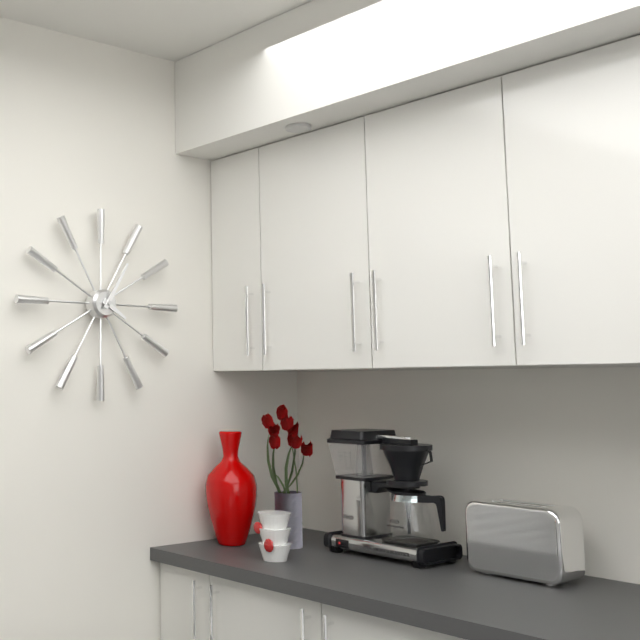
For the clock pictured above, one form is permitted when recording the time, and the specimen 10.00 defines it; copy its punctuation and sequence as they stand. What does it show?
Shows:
4.05
